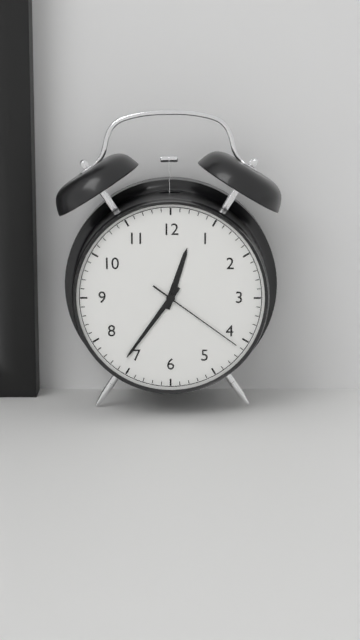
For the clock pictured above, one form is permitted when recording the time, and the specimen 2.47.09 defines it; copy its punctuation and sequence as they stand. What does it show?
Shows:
12.36.21
